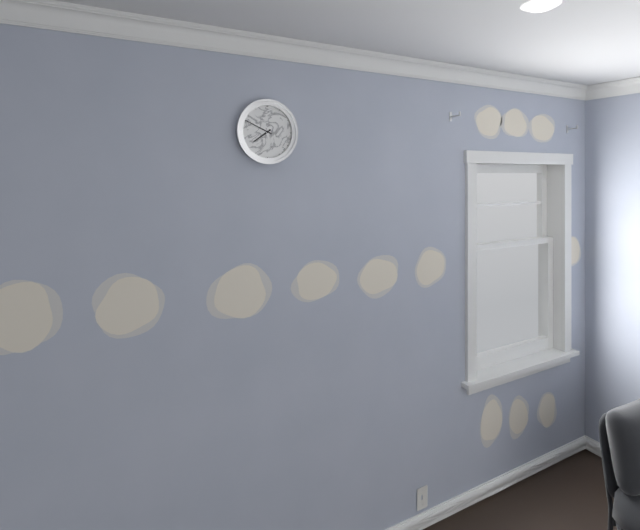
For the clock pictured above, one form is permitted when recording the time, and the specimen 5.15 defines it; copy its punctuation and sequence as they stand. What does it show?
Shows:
7.49
